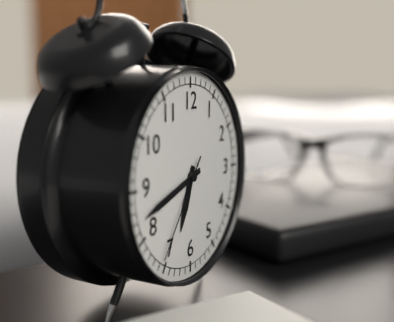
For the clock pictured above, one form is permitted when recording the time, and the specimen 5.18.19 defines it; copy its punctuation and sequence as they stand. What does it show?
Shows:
6.42.36
